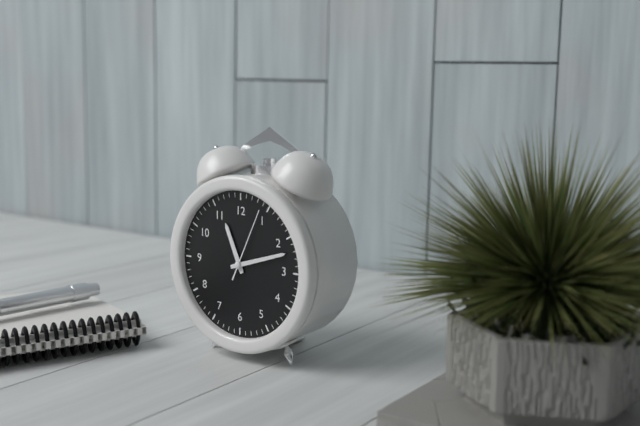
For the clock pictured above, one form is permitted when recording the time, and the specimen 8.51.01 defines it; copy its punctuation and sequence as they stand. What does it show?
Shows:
11.12.04
